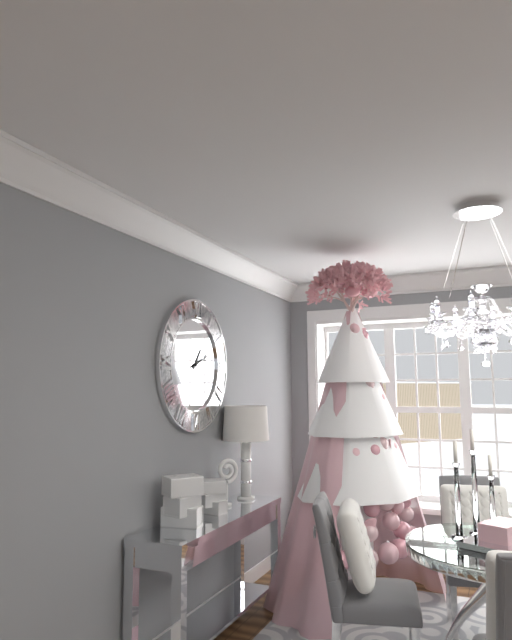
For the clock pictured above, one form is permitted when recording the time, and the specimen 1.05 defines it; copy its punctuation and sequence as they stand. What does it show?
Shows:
1.11
